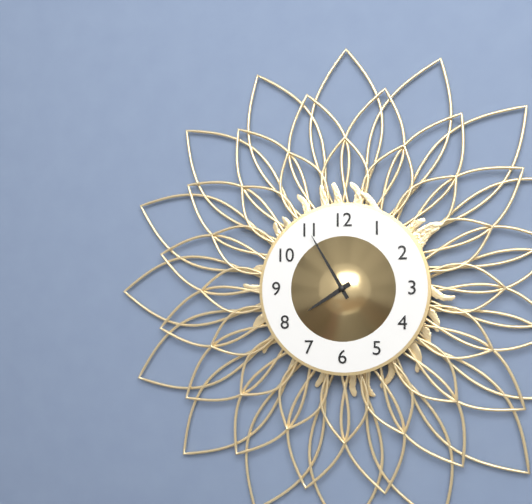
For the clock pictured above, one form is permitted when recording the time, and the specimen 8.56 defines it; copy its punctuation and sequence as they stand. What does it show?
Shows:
7.55
